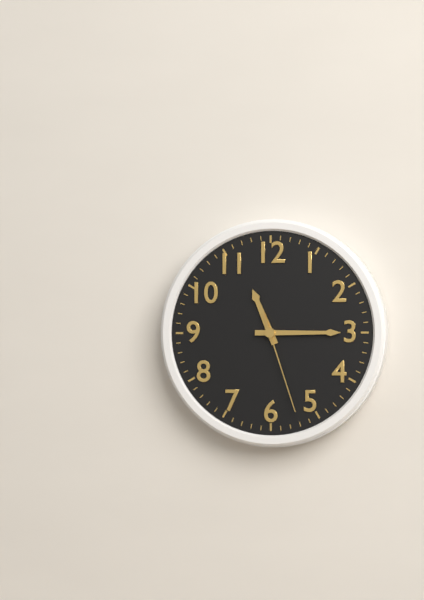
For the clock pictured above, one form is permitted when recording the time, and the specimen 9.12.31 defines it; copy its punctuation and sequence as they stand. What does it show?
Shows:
11.15.27
